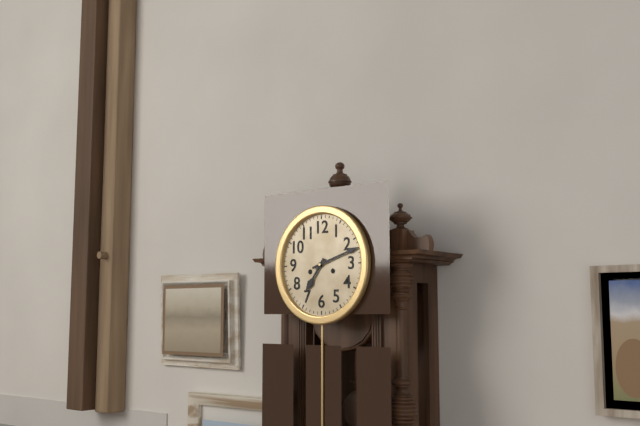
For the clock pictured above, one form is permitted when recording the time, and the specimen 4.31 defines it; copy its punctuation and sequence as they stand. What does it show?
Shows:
7.12
